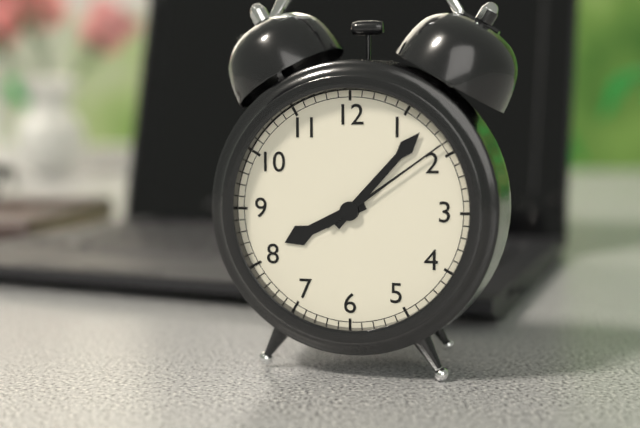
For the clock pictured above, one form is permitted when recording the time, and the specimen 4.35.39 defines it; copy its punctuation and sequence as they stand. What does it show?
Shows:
8.07.09
